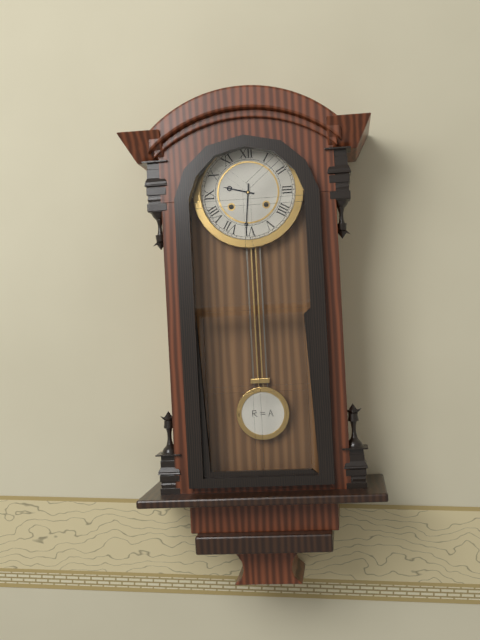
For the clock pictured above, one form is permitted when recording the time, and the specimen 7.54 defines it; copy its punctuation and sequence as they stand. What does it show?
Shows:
9.31
